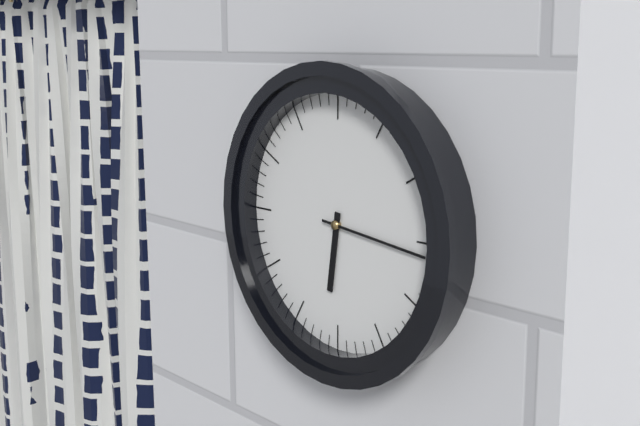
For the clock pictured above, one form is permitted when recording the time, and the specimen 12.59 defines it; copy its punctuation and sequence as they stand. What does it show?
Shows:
6.16
